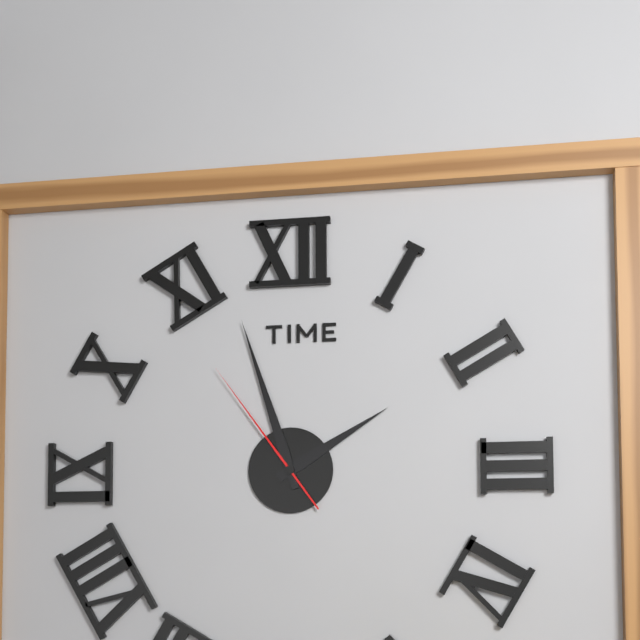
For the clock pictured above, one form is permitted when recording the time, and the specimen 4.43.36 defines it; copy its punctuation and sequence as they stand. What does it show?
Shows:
1.57.54
